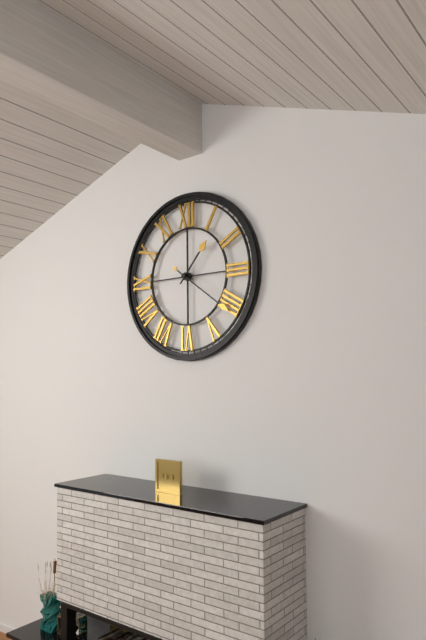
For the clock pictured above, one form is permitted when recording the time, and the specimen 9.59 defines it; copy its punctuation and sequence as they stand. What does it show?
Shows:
1.21
